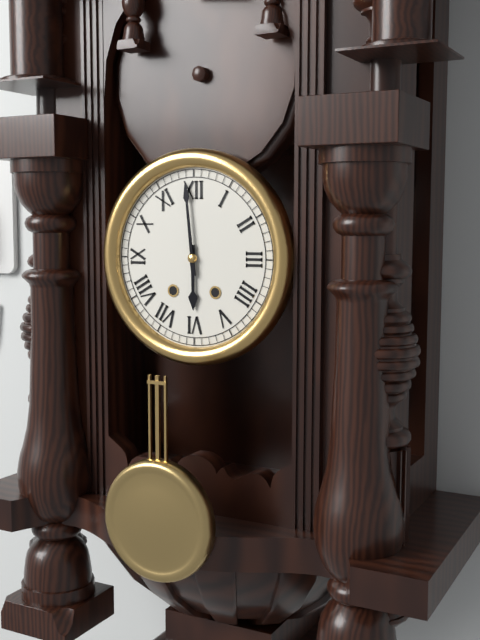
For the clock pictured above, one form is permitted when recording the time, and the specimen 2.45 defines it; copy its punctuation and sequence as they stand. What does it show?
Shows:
5.59
